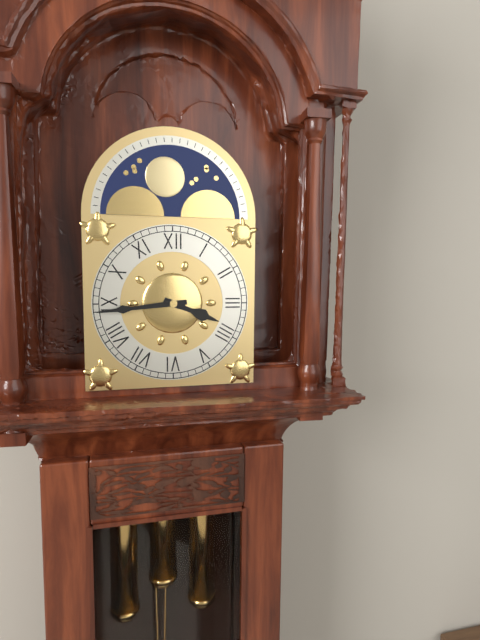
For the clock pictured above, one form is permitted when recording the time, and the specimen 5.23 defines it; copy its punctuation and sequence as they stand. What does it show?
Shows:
3.44
